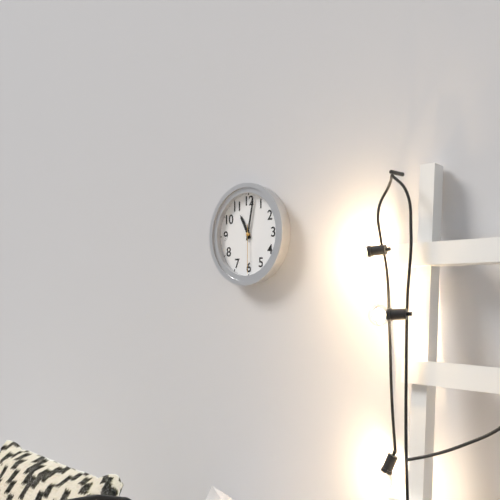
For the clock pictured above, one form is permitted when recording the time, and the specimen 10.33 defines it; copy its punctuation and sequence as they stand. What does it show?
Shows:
11.02
